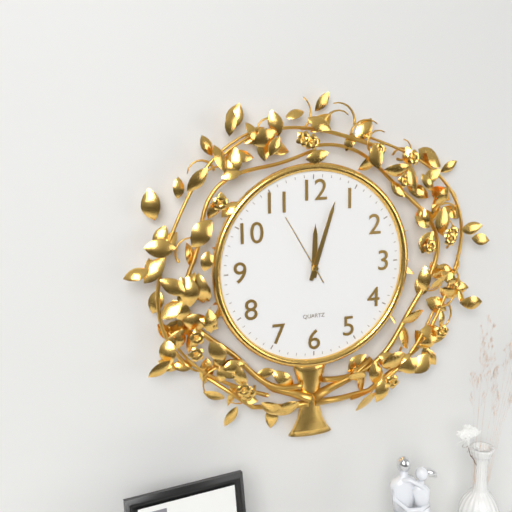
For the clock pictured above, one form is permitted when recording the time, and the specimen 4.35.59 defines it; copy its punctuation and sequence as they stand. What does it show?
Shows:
12.03.55
